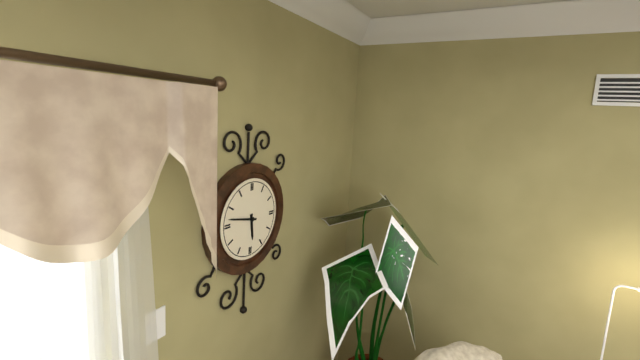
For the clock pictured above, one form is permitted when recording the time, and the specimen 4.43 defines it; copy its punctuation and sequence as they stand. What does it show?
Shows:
5.47
